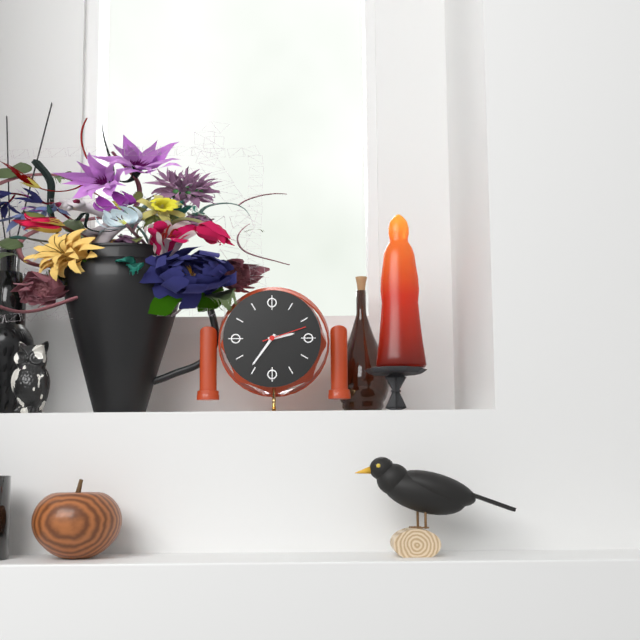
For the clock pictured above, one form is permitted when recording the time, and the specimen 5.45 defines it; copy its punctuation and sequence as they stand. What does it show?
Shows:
2.36
